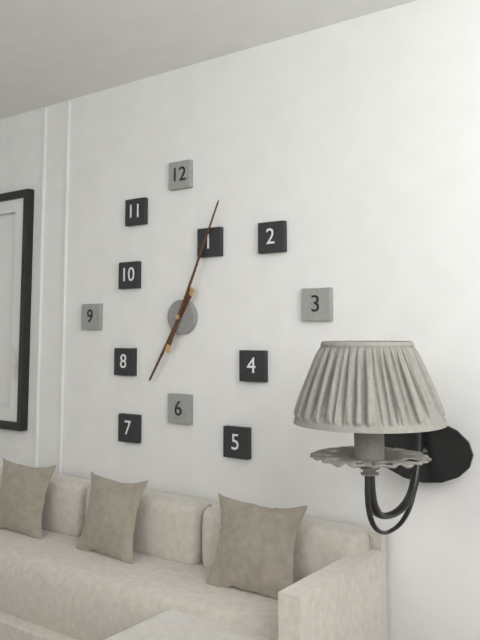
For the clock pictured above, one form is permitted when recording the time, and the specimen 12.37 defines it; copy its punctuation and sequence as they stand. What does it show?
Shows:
7.04
